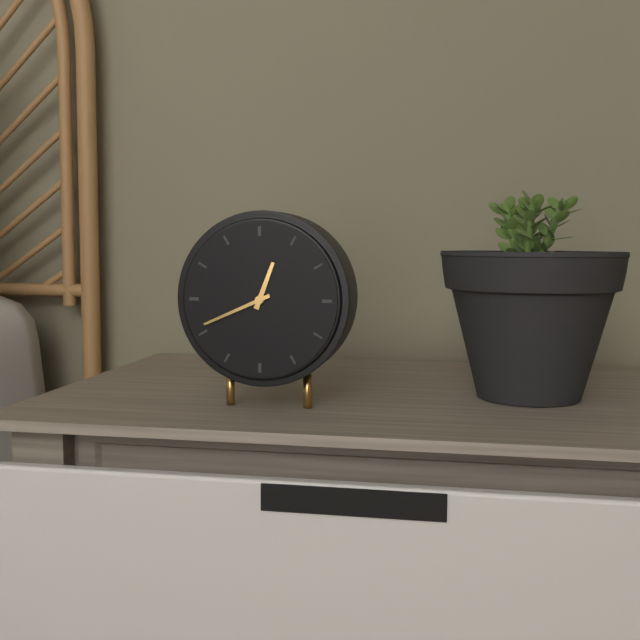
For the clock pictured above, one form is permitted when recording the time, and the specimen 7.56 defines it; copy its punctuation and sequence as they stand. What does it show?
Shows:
12.41
